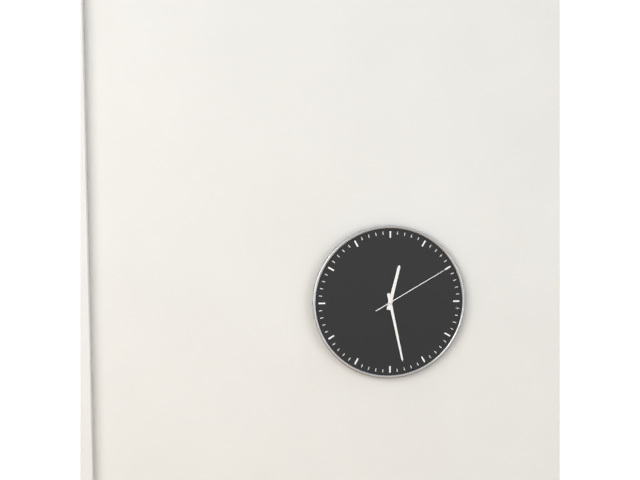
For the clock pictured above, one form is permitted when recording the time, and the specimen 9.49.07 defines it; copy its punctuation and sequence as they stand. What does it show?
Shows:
12.28.10
